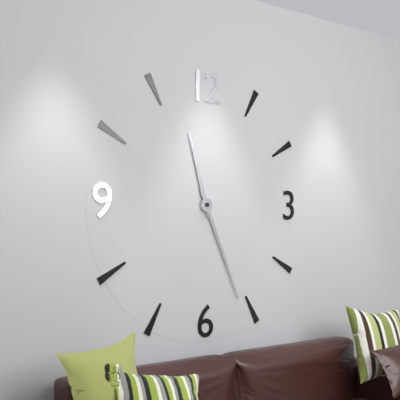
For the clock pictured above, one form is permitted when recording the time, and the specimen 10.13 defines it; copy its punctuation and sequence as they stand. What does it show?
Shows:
11.26
